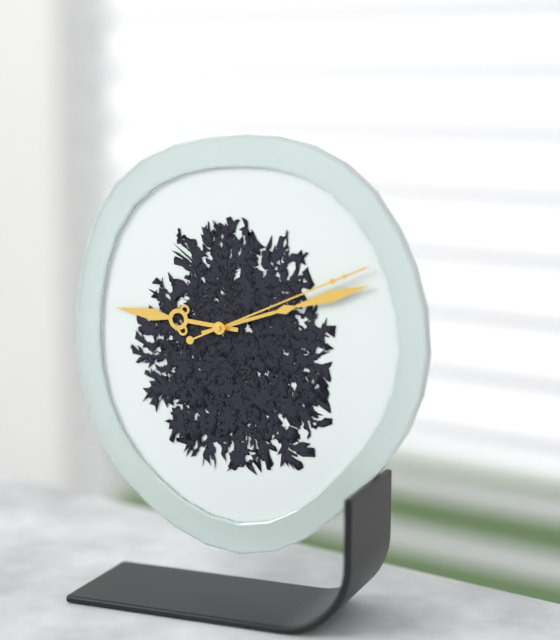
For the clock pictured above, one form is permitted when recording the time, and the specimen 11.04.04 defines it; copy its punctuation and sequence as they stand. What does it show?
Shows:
9.12.11
